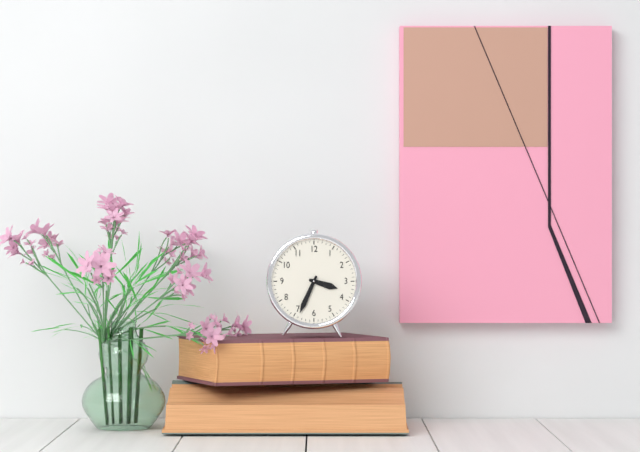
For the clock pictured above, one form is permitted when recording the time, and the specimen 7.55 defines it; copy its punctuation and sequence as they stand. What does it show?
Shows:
3.34
